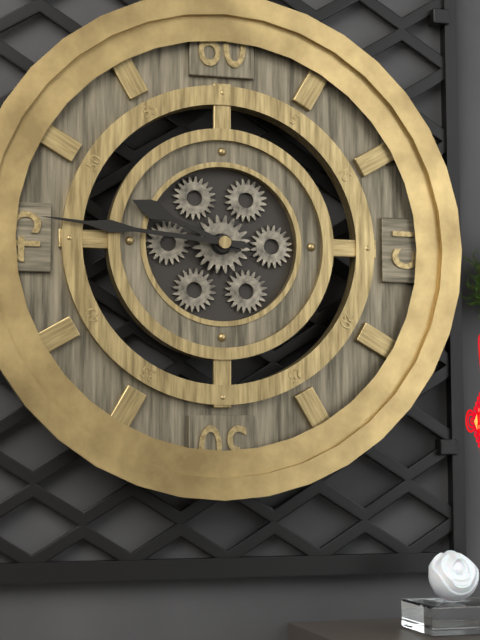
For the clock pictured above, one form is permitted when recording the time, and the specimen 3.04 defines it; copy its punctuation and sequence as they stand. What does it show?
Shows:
9.46
